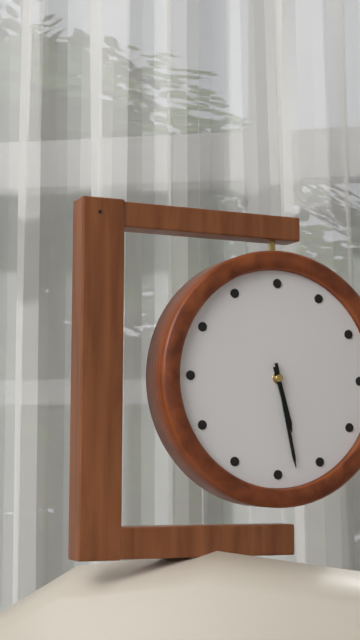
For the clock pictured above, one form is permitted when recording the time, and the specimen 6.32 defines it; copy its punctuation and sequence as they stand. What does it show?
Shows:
5.28
